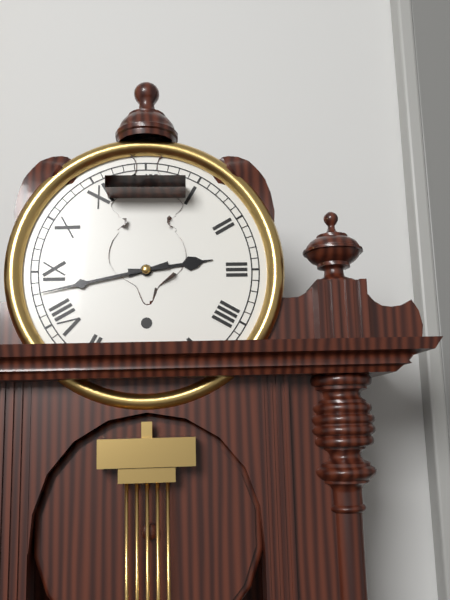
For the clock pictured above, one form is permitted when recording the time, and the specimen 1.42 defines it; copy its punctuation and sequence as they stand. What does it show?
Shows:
2.43
